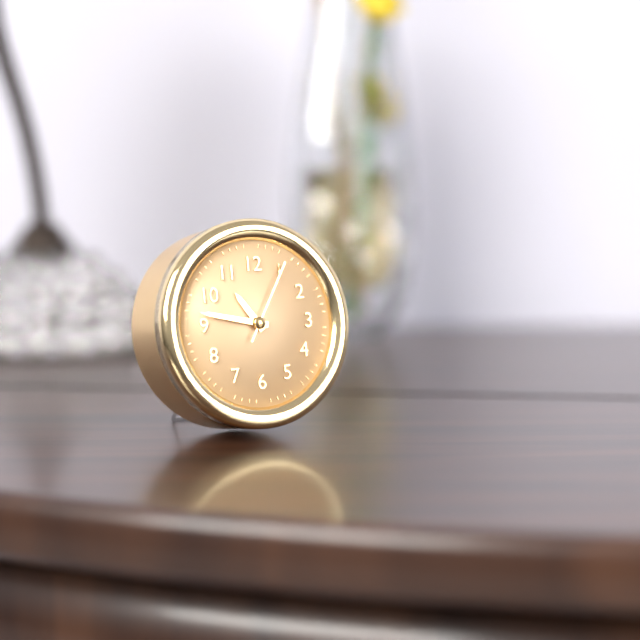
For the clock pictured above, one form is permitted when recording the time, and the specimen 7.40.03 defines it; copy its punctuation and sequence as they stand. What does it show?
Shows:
10.47.05
